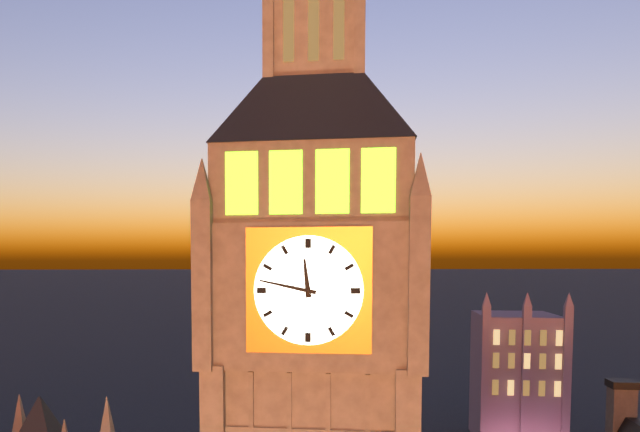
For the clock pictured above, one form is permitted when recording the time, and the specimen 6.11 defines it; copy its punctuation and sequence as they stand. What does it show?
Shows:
11.47
